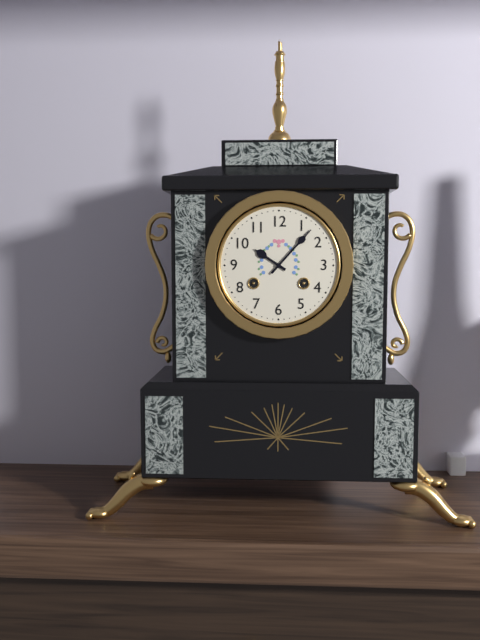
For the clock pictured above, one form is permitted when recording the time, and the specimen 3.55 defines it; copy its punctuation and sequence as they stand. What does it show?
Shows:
10.07
